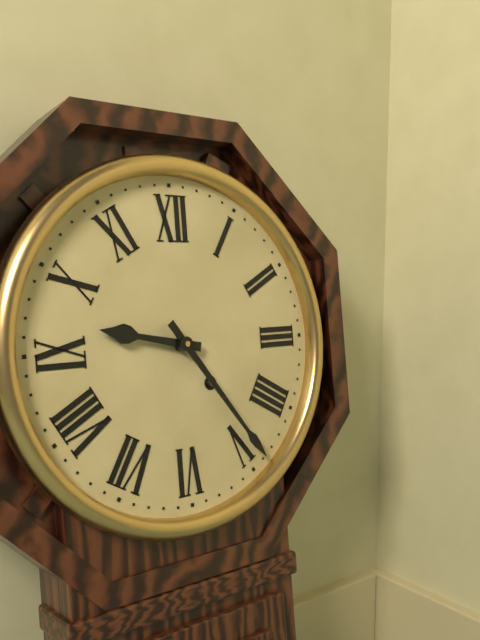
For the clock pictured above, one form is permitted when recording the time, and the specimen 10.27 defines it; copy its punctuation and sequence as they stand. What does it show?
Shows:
9.24
